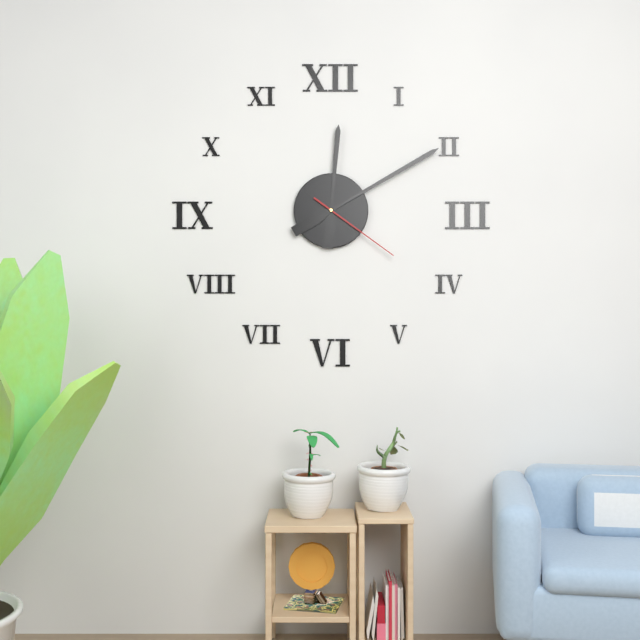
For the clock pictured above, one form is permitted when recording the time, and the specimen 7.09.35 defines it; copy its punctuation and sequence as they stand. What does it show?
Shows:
12.10.21
